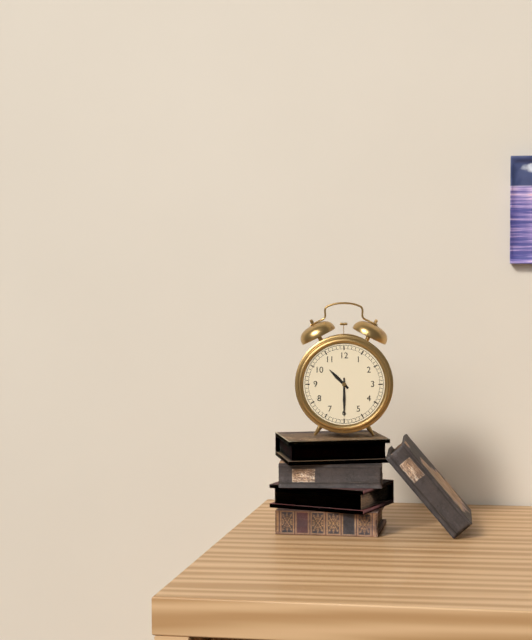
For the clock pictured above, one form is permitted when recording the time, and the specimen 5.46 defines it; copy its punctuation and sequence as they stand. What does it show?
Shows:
10.30
